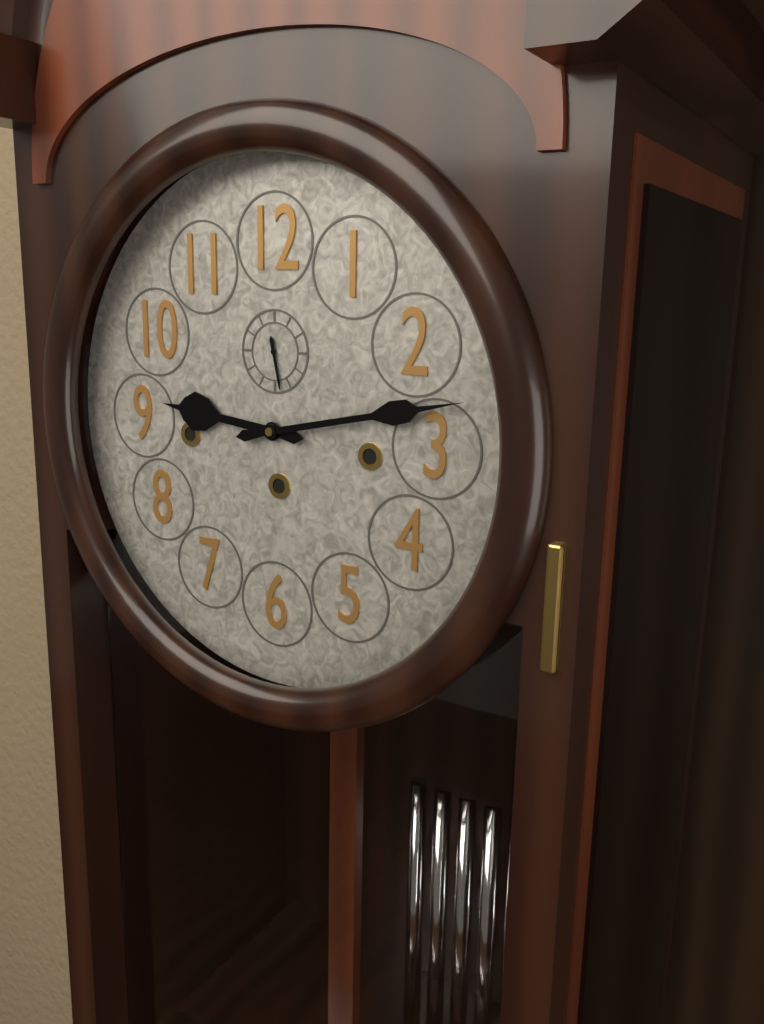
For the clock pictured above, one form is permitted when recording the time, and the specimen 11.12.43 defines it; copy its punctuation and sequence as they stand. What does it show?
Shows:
9.13.28
